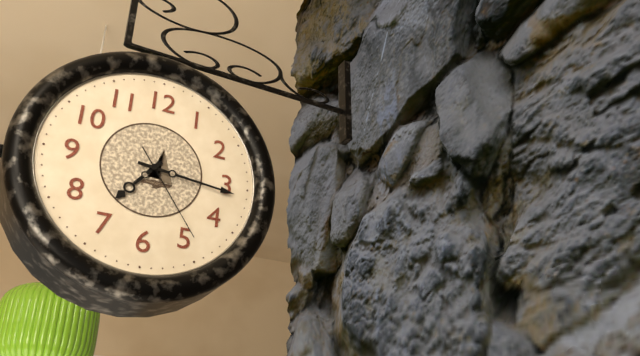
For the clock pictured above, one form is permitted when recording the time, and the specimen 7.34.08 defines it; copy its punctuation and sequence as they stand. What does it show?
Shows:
7.16.24
